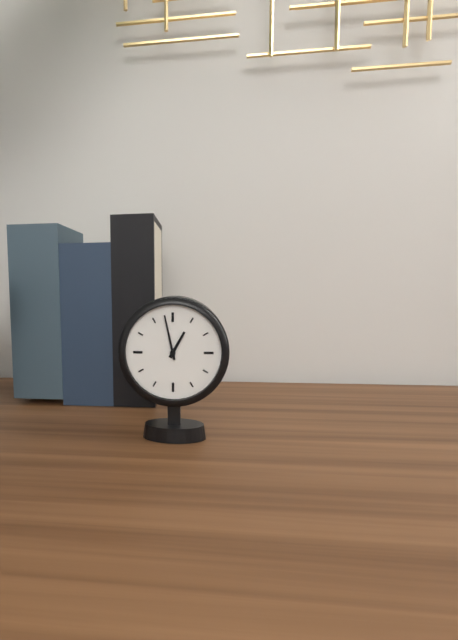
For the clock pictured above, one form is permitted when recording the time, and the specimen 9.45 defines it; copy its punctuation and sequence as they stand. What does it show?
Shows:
12.58
